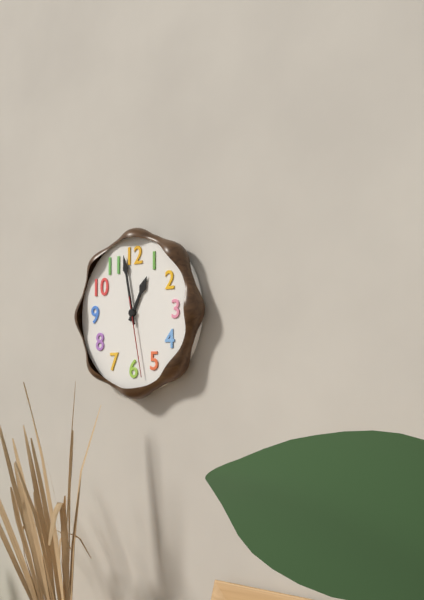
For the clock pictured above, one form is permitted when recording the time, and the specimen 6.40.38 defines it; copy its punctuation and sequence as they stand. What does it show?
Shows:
12.58.28
